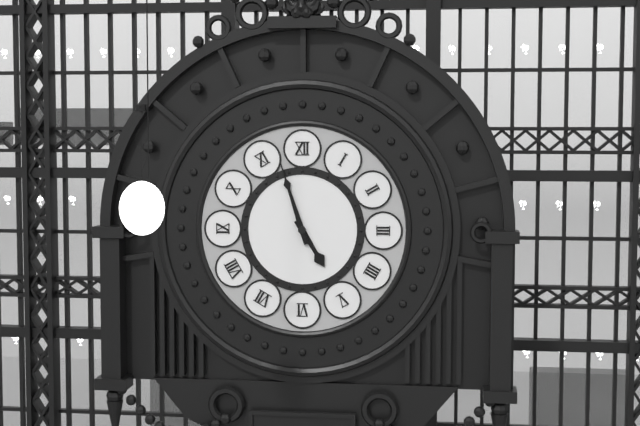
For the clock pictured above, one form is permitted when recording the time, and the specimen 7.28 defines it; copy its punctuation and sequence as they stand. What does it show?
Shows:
4.57
